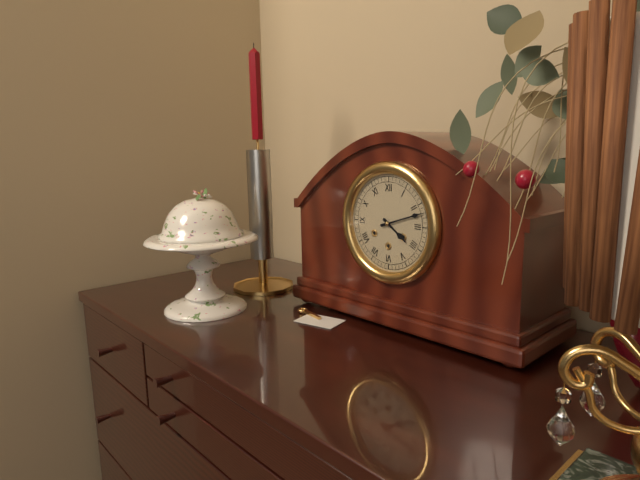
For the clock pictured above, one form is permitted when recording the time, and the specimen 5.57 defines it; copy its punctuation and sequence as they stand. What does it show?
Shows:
4.12
